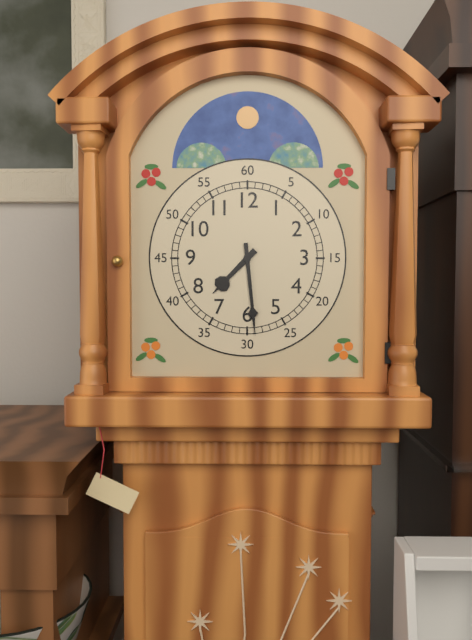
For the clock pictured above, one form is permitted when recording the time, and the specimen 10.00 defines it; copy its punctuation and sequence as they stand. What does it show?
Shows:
7.29
